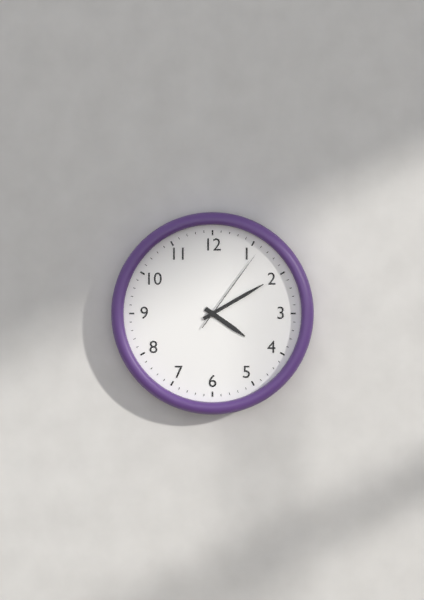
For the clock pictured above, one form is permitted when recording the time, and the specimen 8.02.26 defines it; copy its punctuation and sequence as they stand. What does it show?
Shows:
4.10.06
